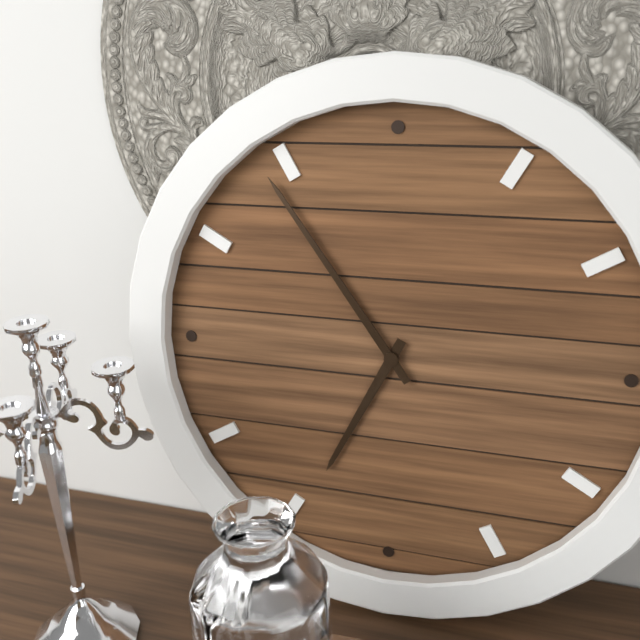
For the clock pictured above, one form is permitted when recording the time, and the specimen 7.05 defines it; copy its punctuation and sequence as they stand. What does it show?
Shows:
6.54
